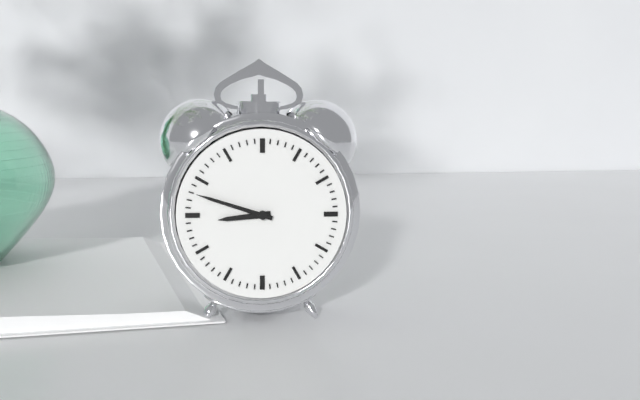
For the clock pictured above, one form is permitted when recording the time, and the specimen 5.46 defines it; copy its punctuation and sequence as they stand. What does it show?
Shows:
8.48
